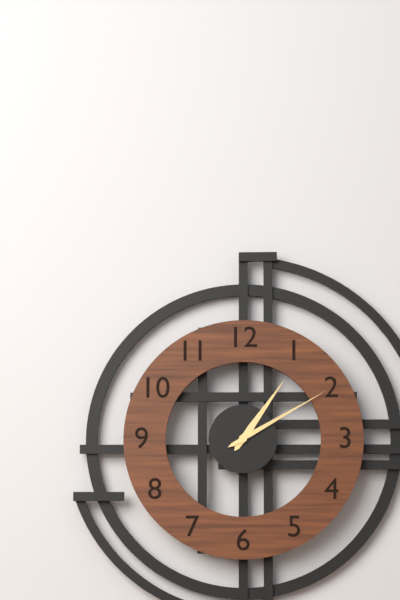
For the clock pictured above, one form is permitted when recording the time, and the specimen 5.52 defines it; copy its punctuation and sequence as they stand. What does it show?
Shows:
1.10
